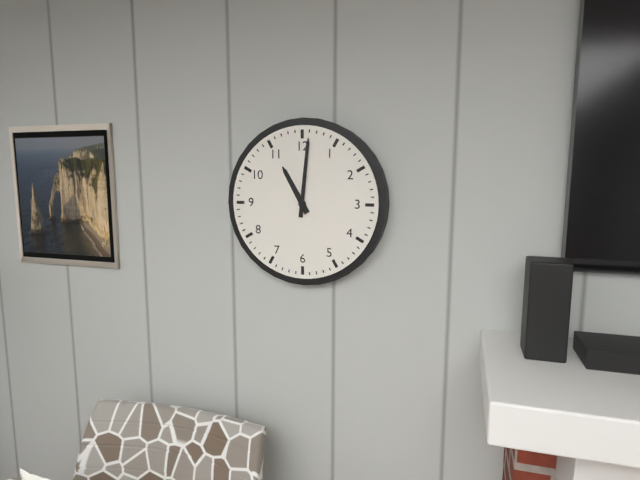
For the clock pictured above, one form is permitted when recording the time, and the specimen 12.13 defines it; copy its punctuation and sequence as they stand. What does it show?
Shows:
11.01
